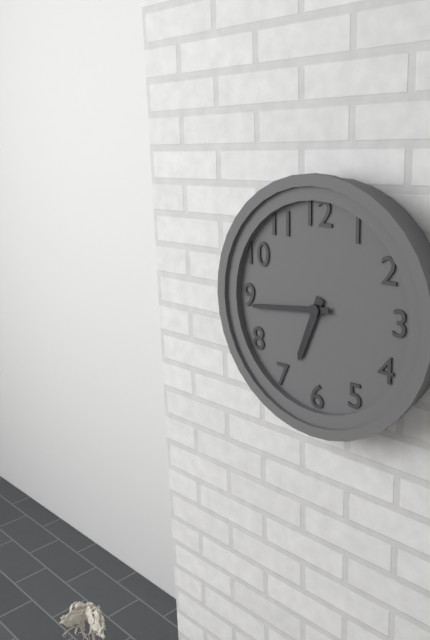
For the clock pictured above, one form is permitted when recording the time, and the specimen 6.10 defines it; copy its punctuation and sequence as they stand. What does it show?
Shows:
6.44
